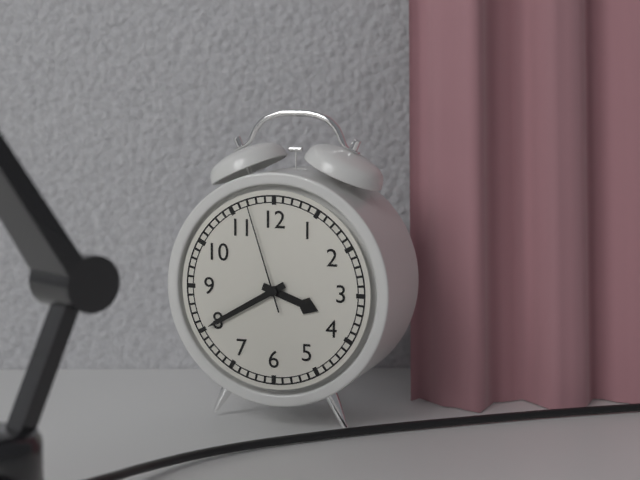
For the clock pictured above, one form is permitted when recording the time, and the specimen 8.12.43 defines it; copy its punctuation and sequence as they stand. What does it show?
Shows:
3.40.57
